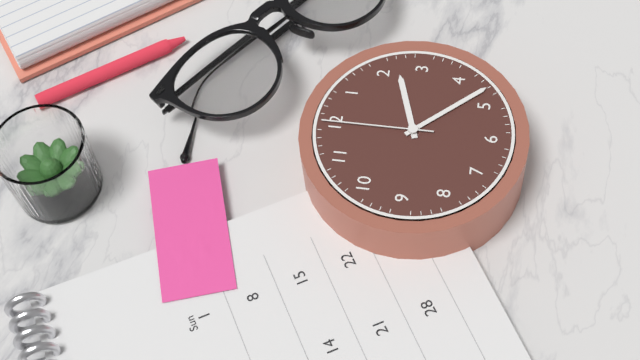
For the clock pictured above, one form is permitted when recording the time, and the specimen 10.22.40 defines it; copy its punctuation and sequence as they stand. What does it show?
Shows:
2.23.00
